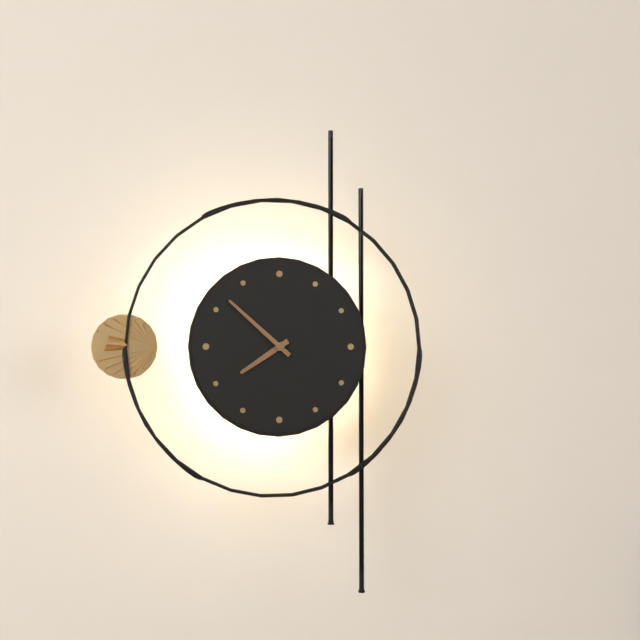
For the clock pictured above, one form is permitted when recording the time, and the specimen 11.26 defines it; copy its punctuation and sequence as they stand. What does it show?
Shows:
7.52
